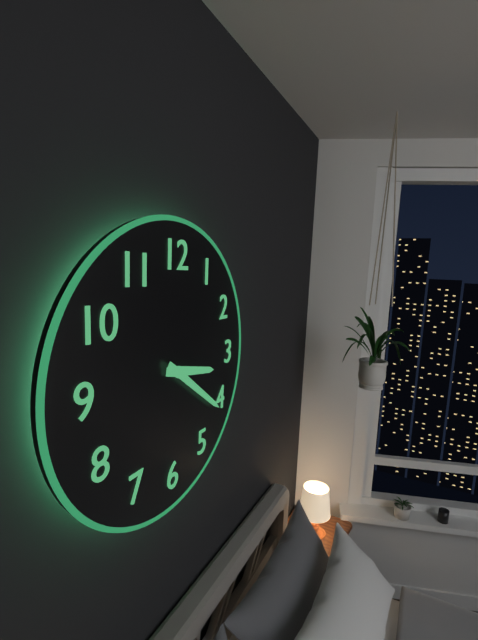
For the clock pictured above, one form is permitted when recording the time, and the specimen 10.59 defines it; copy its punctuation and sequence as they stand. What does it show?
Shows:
3.21
